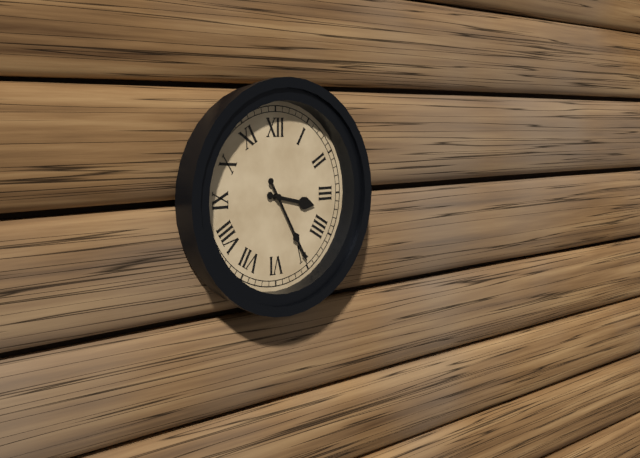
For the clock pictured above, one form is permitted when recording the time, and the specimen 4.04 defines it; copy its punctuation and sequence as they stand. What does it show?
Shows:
3.25
